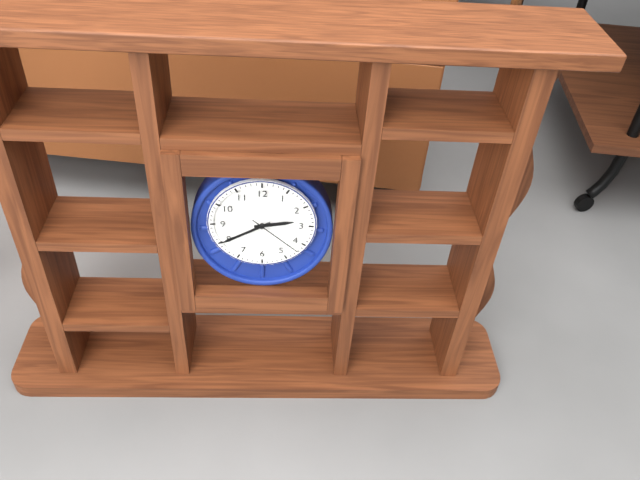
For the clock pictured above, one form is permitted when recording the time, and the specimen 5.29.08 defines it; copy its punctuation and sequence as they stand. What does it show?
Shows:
2.40.22
